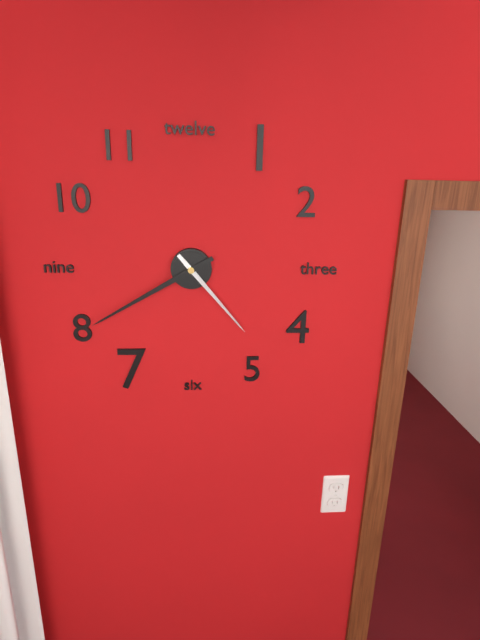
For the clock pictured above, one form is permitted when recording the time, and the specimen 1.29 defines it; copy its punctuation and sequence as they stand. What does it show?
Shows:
4.40
